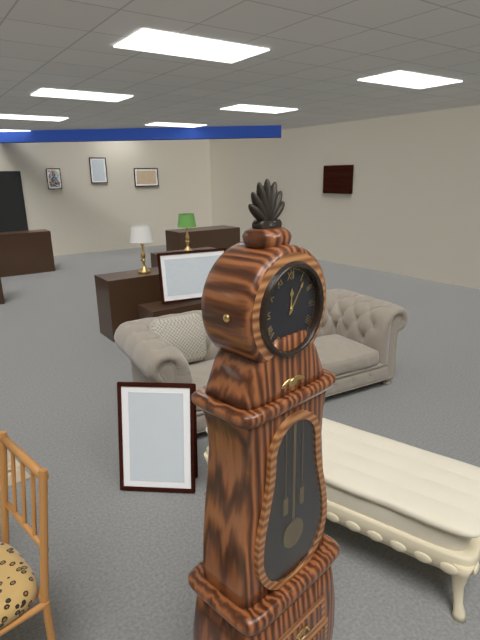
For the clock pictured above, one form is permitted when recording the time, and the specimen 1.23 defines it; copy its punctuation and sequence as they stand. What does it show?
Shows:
12.06
